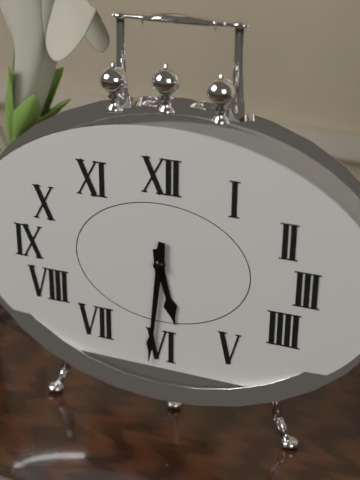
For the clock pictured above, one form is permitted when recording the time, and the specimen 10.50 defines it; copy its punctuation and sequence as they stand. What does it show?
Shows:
5.31
